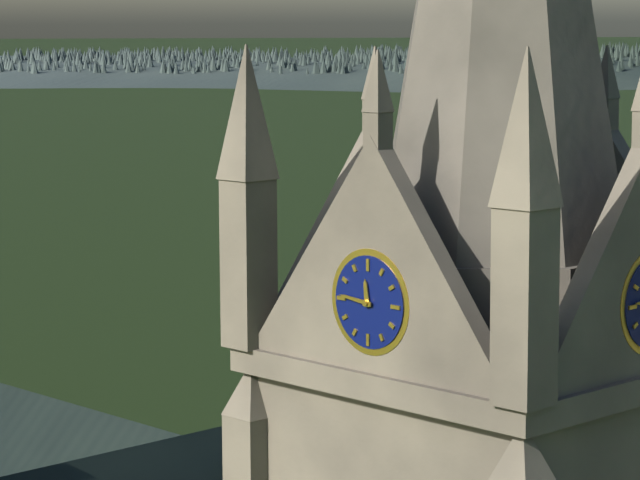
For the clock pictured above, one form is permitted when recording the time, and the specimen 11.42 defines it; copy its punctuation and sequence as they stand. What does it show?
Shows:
11.46
